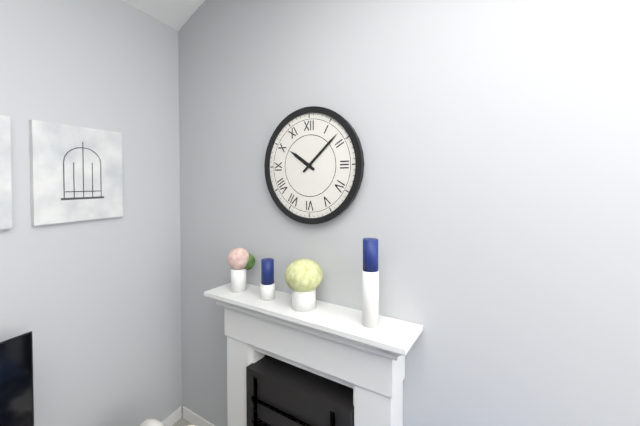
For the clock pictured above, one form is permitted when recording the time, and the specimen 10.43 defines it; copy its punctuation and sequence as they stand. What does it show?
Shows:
10.08
